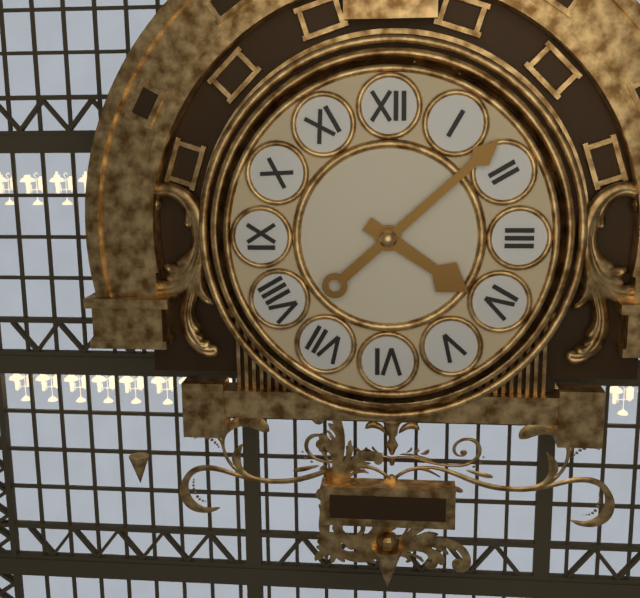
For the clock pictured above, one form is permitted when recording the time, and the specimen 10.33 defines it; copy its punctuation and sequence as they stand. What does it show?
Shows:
4.08
